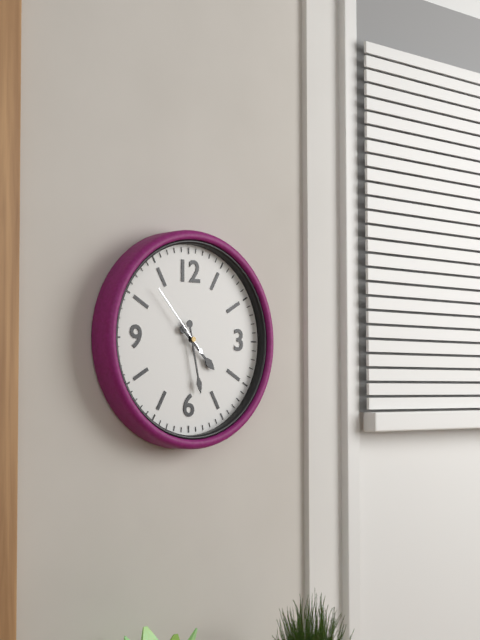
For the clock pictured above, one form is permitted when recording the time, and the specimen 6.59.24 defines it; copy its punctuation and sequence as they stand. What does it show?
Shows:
4.28.53
